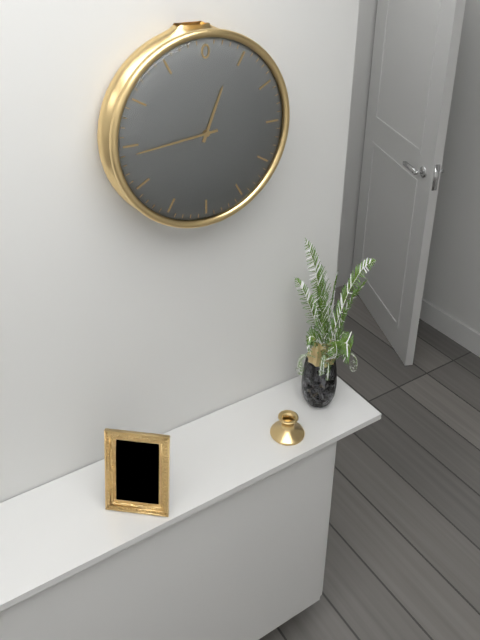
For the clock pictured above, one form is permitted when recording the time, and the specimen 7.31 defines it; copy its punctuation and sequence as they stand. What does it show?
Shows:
12.44
